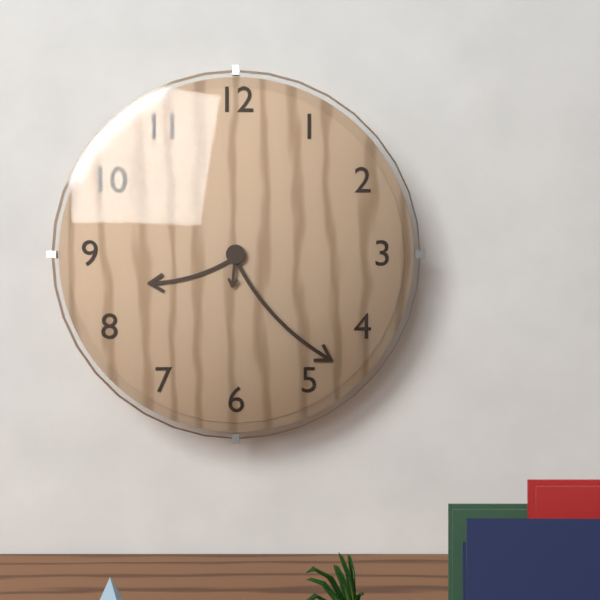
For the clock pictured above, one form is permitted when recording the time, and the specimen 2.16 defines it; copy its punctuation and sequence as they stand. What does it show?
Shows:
8.23
